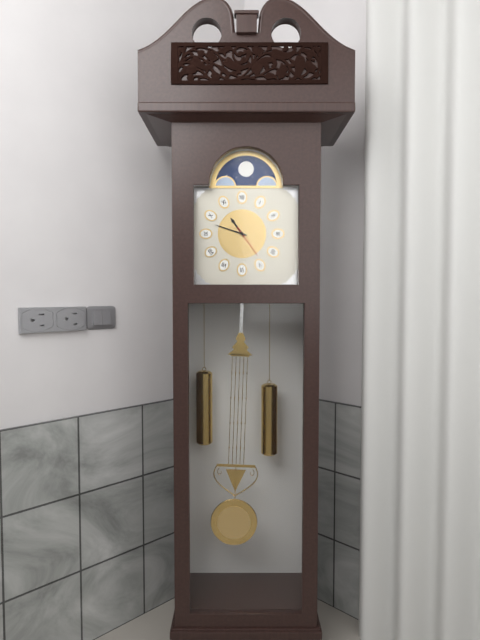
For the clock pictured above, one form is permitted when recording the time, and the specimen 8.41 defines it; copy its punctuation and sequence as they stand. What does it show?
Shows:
10.48
